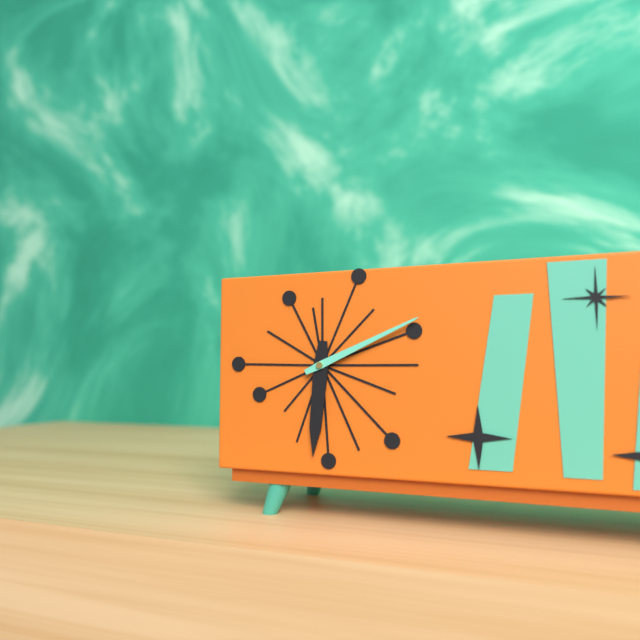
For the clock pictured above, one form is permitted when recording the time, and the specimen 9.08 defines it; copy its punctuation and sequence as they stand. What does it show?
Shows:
6.11
